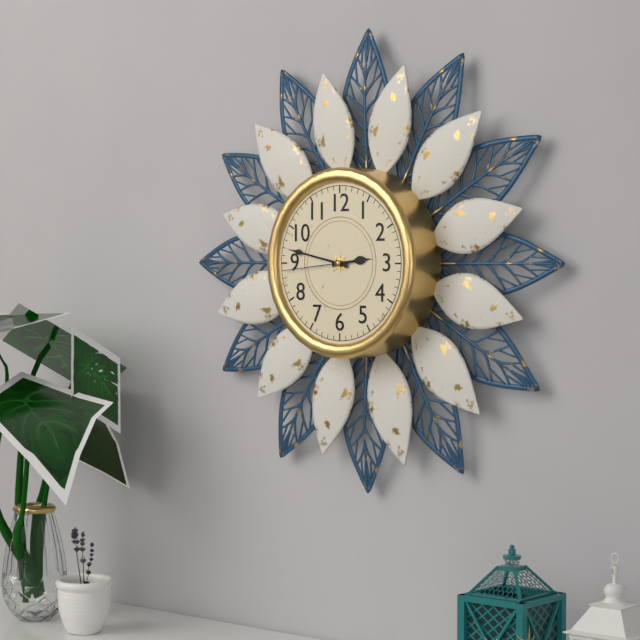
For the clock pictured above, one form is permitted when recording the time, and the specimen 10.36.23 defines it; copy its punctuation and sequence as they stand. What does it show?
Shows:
2.47.44
